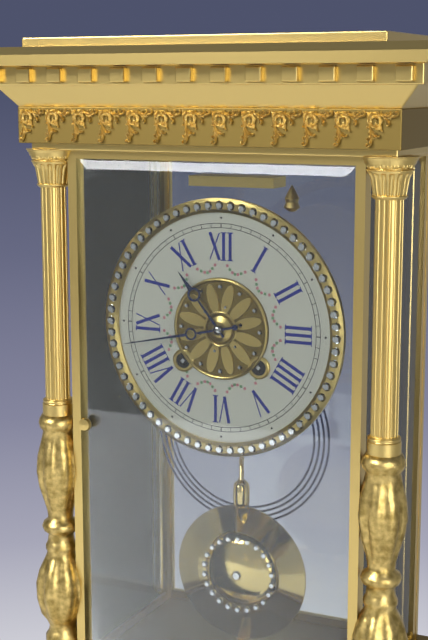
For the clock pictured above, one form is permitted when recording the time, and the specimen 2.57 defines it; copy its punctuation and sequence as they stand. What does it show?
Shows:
10.43
